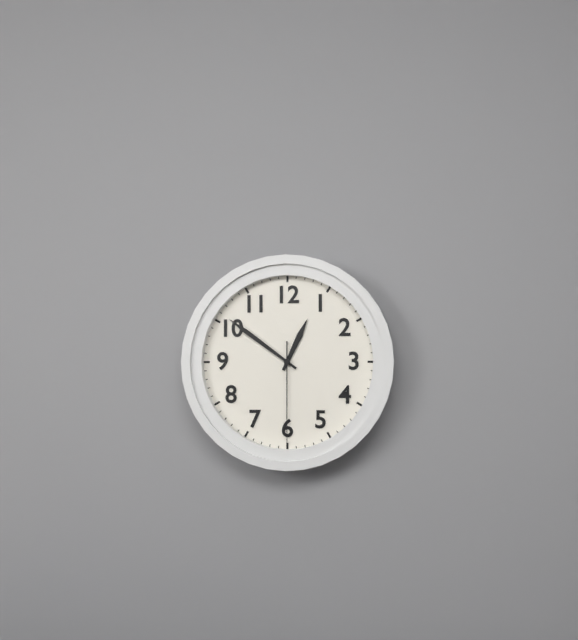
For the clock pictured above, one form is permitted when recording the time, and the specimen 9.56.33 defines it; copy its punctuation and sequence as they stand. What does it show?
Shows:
12.51.30
